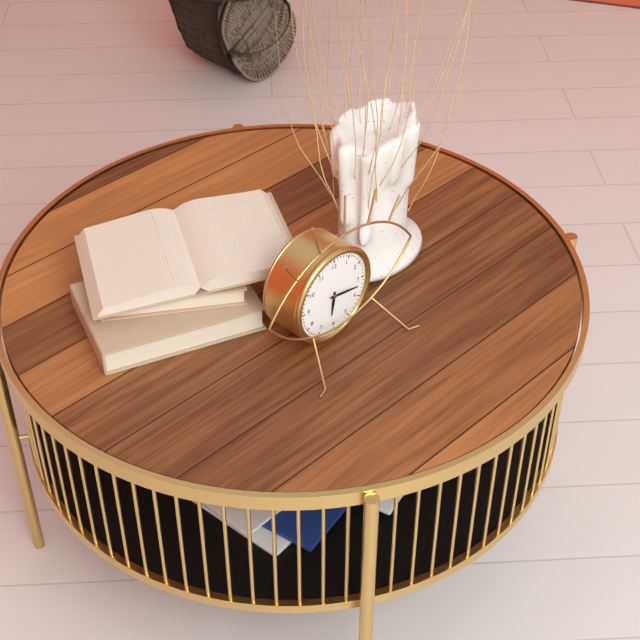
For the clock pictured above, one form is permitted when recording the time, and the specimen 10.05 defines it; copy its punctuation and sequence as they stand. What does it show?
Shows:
6.17
